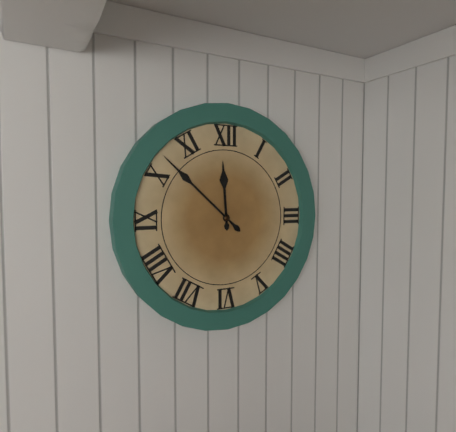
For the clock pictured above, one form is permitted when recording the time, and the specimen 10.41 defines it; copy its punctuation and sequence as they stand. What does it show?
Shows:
11.52
